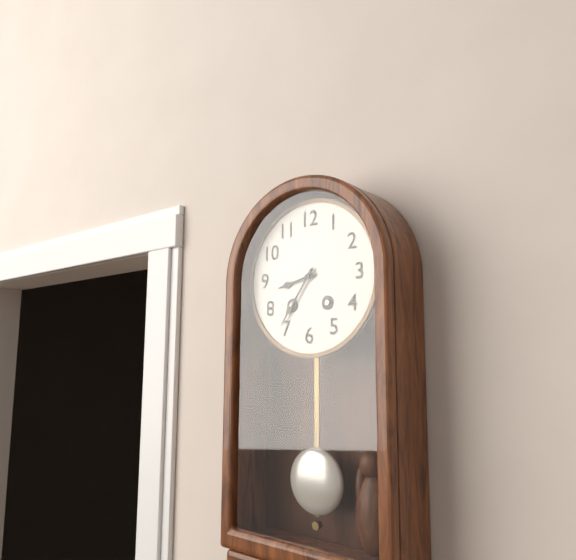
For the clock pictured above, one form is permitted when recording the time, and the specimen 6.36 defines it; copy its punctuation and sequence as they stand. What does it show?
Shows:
8.36
